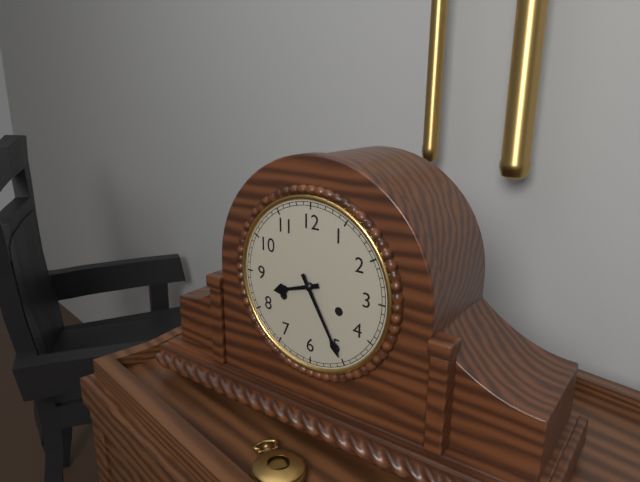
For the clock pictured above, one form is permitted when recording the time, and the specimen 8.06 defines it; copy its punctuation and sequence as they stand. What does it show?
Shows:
8.25
